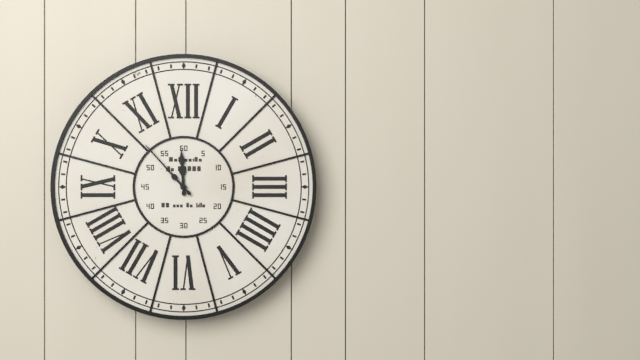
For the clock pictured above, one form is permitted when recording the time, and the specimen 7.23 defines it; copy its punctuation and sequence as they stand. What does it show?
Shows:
11.53
